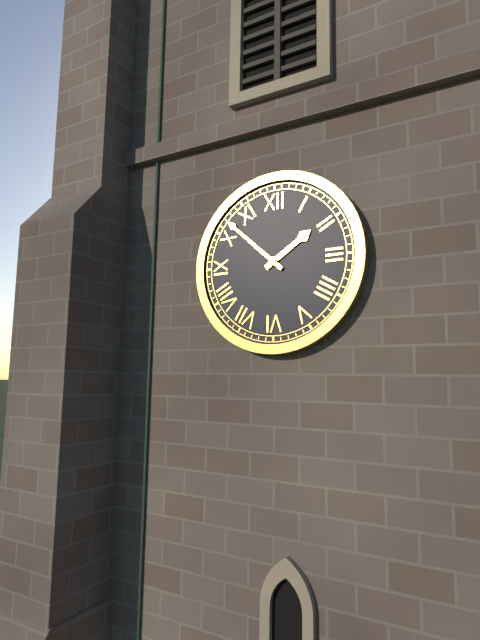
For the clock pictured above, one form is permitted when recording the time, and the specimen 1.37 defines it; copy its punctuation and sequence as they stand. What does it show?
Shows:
1.52
